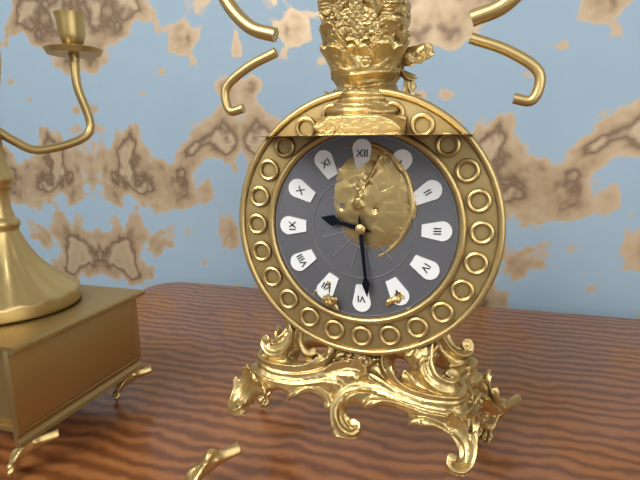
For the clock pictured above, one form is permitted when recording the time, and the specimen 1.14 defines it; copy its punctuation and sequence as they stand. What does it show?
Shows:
9.29
